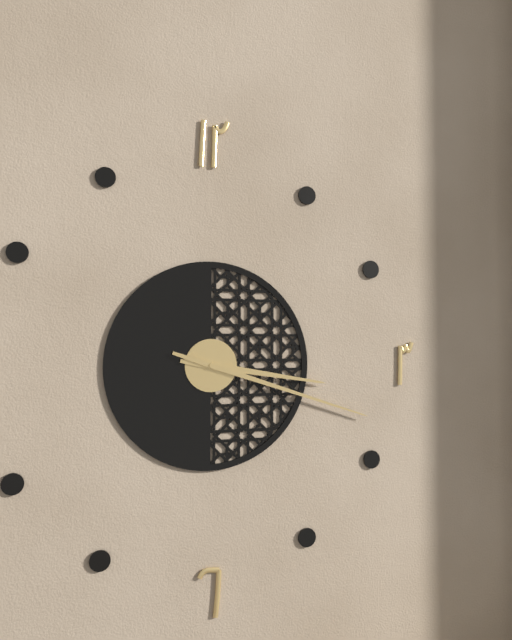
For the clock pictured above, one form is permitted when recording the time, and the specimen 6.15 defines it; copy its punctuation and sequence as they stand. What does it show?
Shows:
3.18
